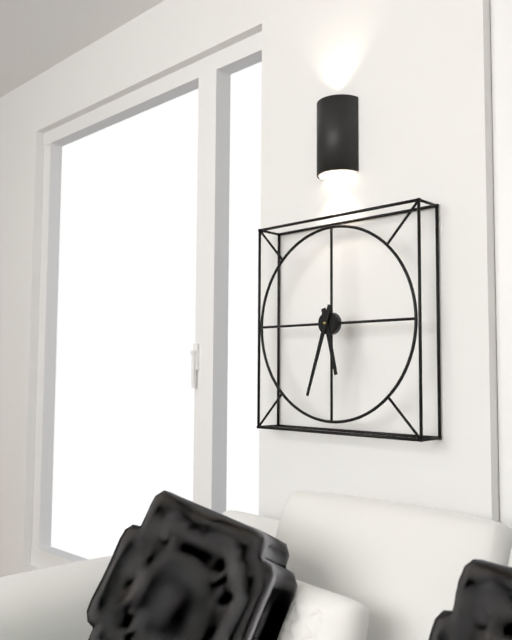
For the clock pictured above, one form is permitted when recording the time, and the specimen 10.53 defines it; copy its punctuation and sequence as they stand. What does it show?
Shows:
5.33
